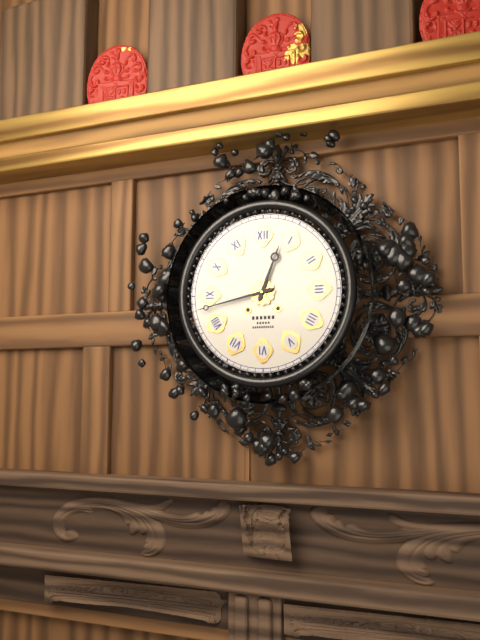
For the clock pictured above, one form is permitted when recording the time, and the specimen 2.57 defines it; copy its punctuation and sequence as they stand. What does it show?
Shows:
12.43
